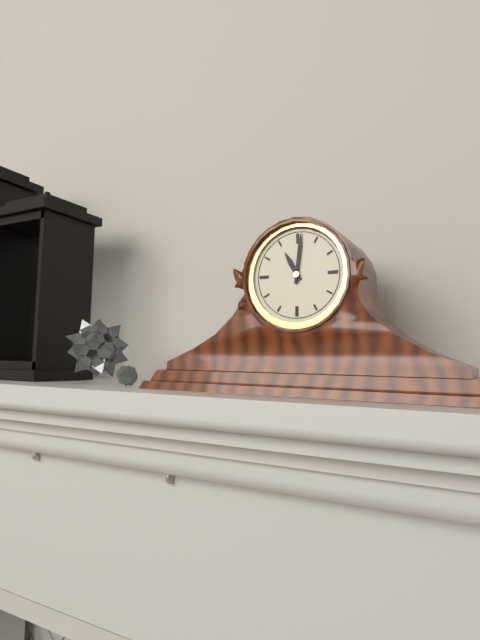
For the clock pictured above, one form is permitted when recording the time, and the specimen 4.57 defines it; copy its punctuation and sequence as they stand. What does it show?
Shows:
11.01
